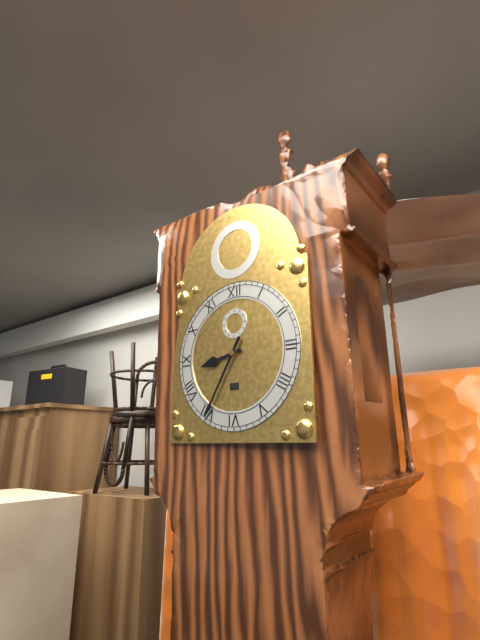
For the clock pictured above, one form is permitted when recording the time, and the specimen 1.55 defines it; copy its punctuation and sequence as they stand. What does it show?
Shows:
8.35
